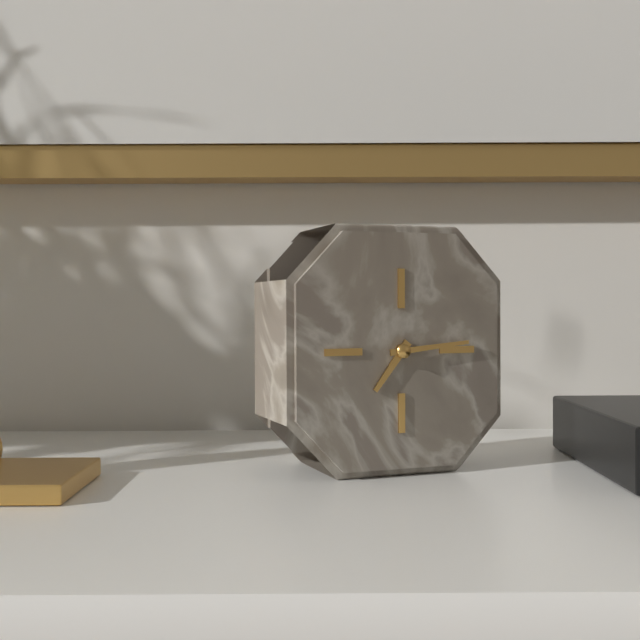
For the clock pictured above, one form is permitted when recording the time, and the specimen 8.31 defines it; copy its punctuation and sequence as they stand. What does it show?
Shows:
7.14
